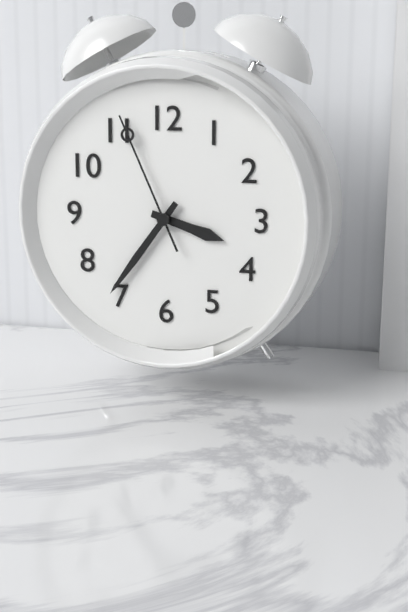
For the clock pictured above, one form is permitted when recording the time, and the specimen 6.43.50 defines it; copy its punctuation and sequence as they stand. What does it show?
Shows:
3.36.56
